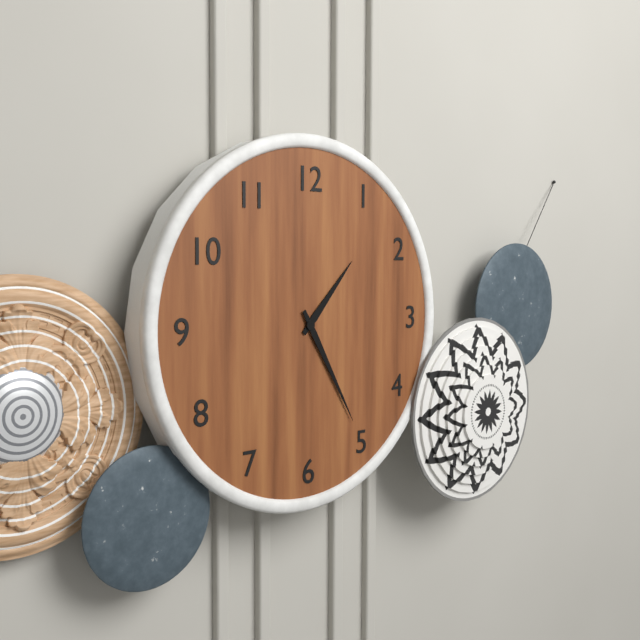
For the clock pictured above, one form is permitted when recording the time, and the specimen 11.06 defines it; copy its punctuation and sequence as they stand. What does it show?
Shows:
1.25
